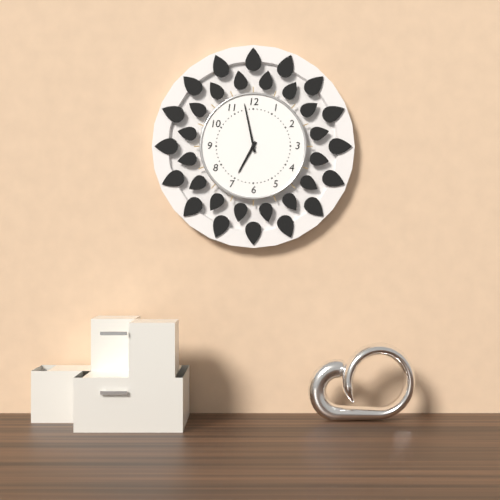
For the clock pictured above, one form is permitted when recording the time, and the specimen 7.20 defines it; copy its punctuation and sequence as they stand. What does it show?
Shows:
6.58
